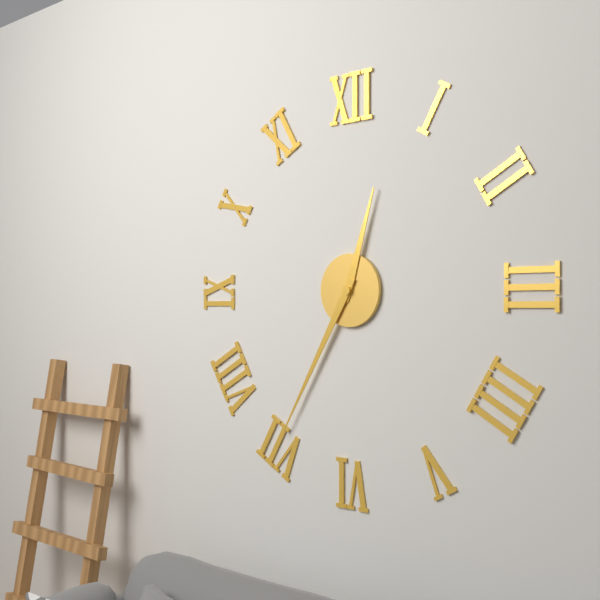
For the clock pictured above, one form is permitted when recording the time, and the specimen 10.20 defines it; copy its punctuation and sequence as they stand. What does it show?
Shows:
12.35
